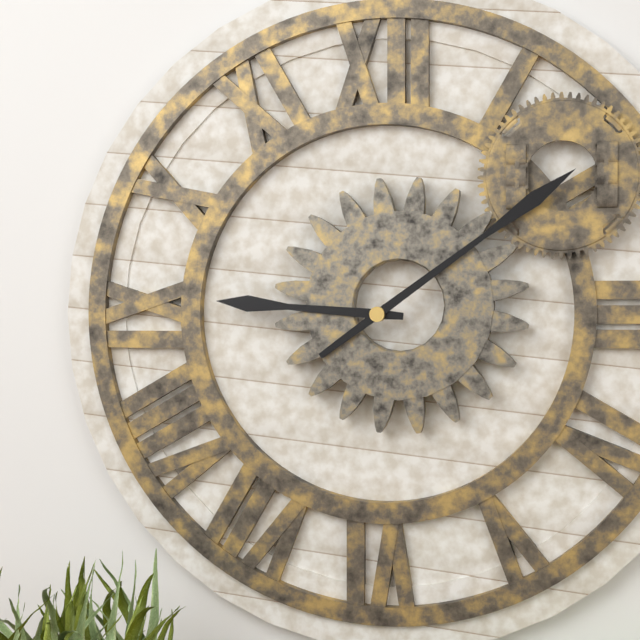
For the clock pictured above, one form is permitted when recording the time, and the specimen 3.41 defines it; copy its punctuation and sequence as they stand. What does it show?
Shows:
9.09
